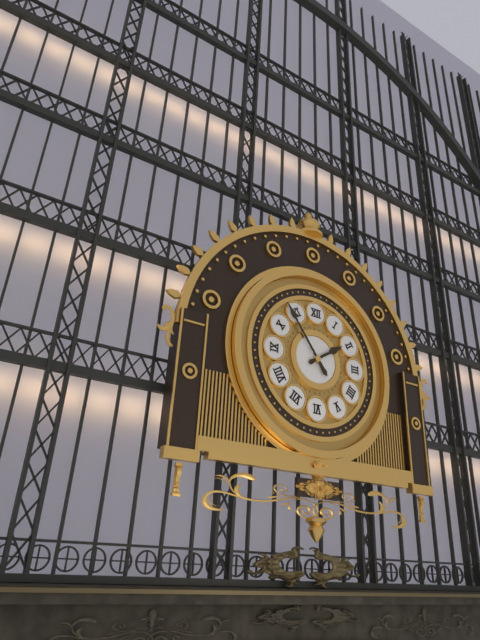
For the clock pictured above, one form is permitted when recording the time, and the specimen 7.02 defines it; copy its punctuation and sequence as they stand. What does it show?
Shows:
1.54
